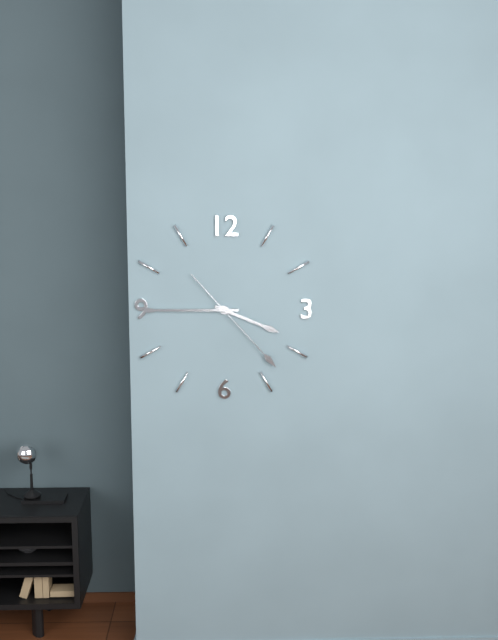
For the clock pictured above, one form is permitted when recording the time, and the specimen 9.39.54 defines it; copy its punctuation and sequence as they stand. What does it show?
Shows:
3.45.23
